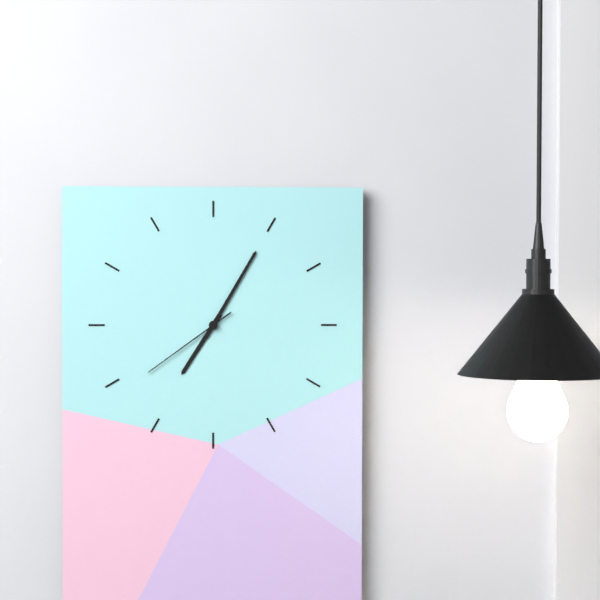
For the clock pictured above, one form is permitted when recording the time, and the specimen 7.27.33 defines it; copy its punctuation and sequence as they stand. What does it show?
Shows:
7.05.39
